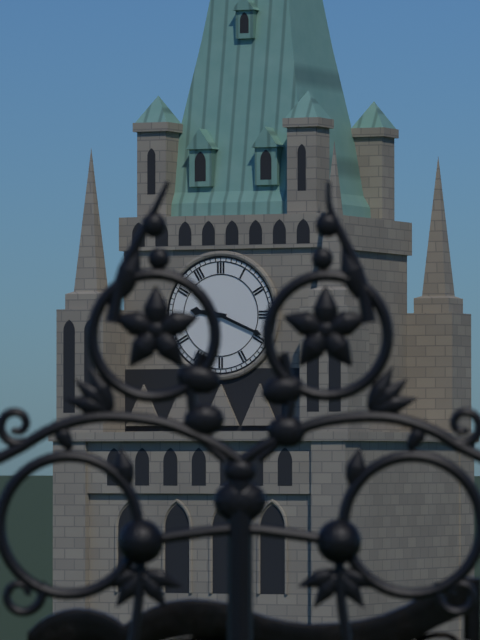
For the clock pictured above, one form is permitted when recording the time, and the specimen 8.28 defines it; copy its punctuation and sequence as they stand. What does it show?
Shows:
9.19
